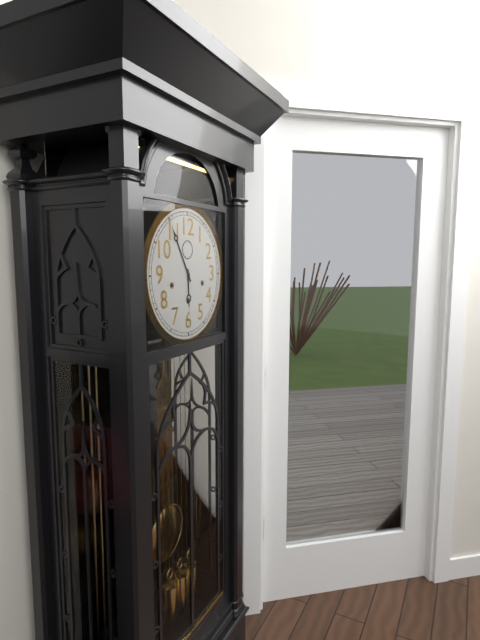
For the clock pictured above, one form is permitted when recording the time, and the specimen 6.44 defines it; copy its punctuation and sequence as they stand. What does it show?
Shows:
5.55
